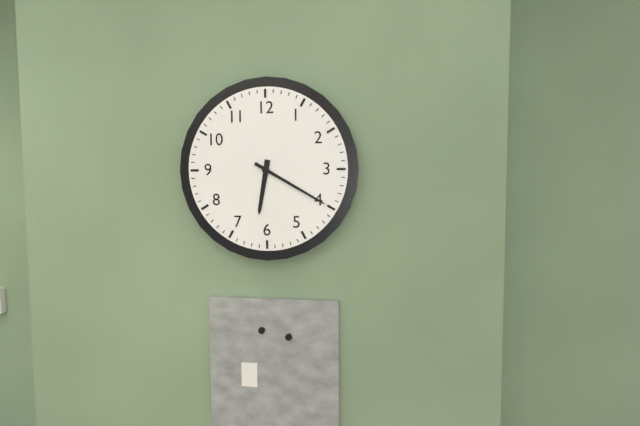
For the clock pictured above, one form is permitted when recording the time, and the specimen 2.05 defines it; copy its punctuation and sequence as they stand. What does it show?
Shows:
6.20
